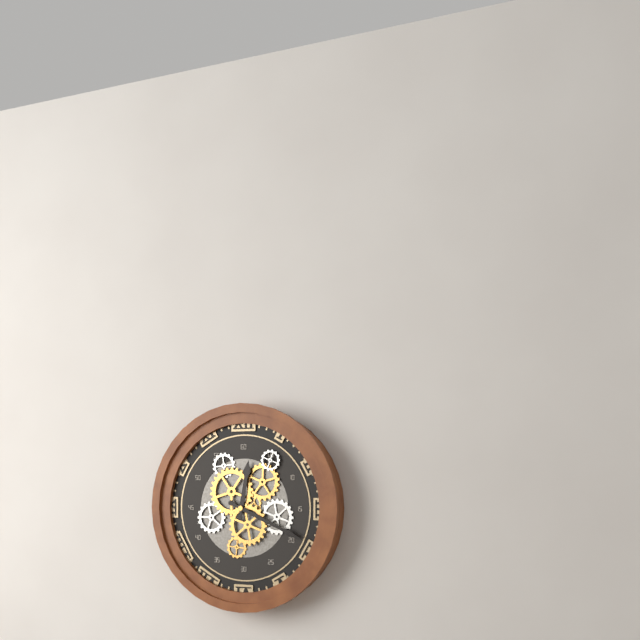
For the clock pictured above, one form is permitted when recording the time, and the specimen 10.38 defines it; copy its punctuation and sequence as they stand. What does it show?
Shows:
12.19
